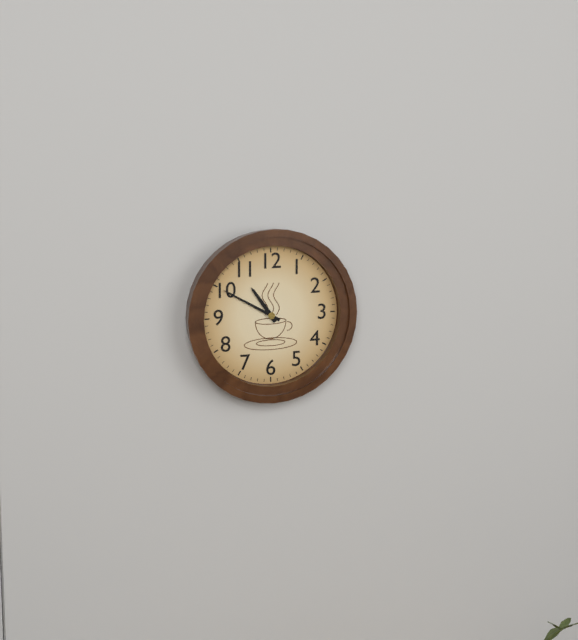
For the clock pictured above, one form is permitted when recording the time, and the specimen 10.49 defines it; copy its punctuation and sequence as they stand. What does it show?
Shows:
10.50
